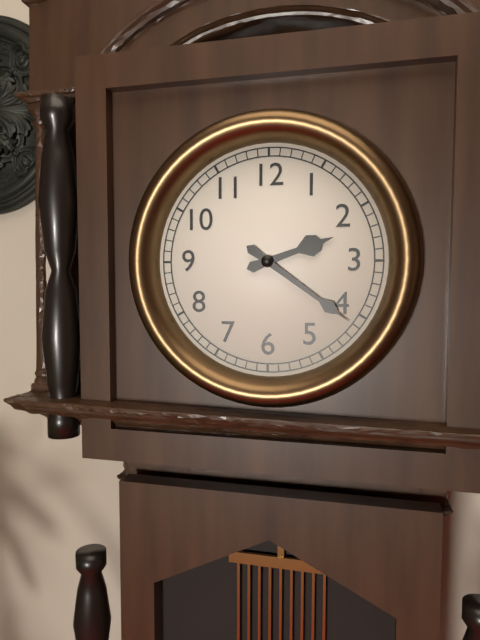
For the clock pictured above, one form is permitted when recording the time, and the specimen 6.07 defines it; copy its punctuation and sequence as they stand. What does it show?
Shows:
2.21
